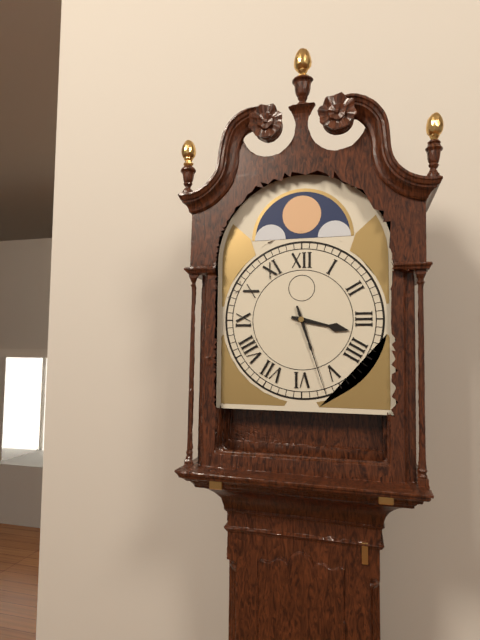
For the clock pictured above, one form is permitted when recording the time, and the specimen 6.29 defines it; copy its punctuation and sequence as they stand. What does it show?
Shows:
3.27
